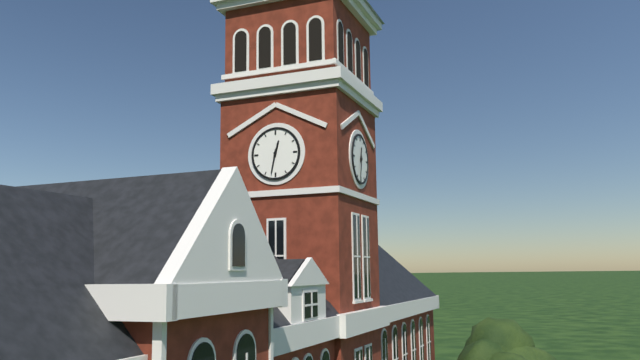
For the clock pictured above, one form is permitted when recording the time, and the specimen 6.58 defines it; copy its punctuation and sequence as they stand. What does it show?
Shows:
12.32
